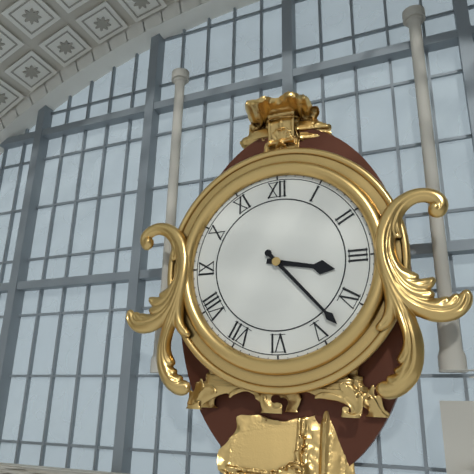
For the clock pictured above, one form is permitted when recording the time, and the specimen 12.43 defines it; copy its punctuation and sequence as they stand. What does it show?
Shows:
3.23
